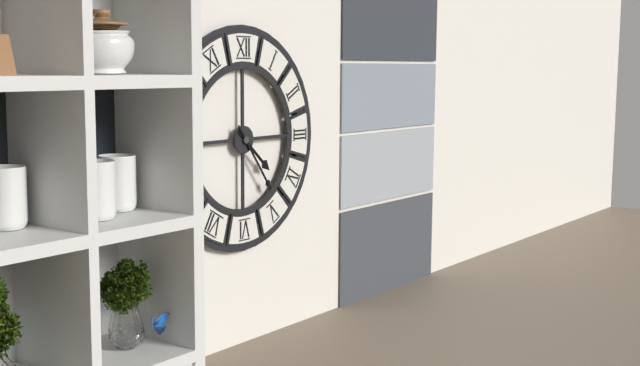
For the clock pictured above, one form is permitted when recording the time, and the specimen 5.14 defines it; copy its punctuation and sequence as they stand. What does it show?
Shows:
4.24
